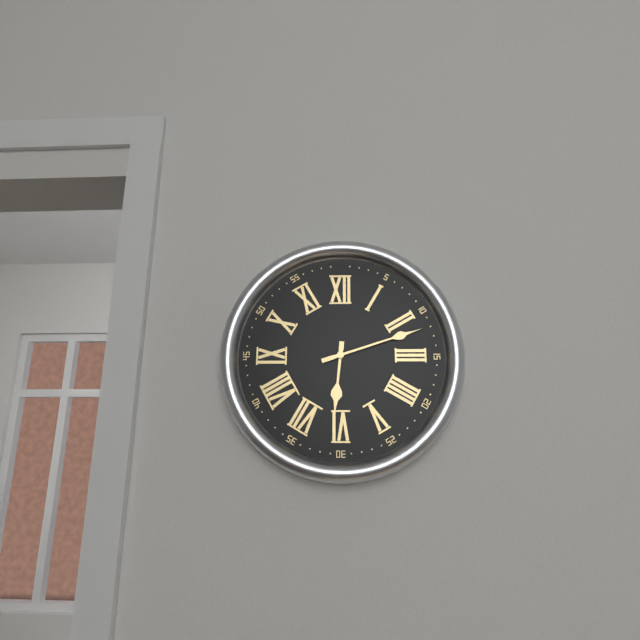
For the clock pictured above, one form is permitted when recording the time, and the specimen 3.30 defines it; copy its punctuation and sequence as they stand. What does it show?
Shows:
6.12
